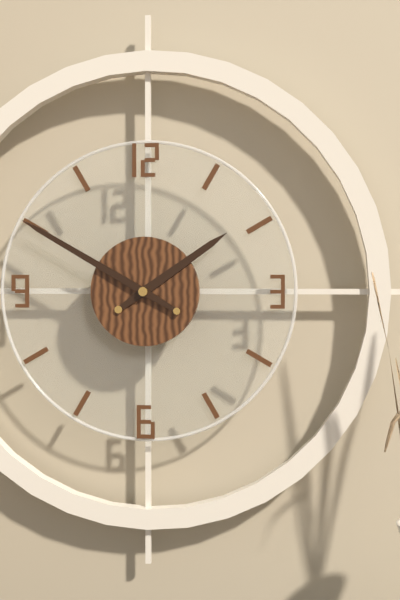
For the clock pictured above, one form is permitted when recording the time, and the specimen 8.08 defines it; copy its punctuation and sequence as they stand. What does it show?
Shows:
1.50
